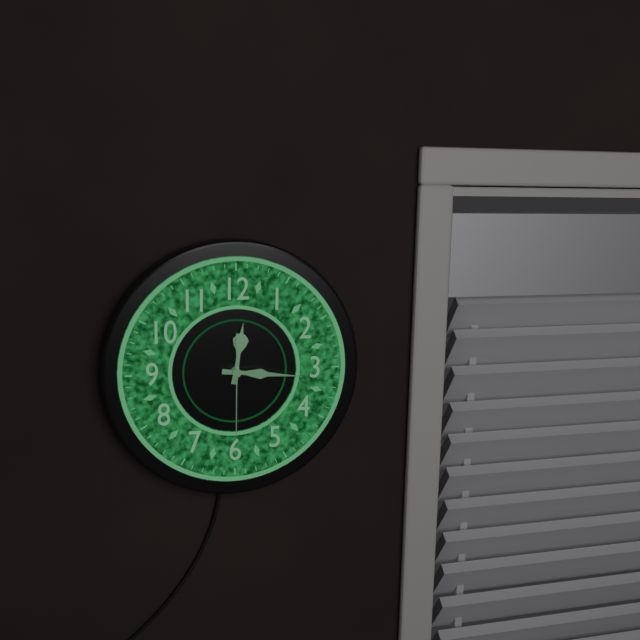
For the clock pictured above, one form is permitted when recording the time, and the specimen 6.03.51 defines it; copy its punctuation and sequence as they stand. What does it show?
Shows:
12.16.30
